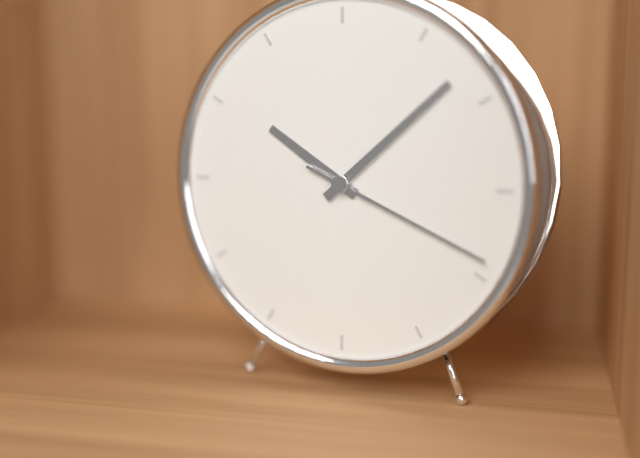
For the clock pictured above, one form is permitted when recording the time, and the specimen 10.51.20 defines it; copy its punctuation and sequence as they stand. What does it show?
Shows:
10.08.19
